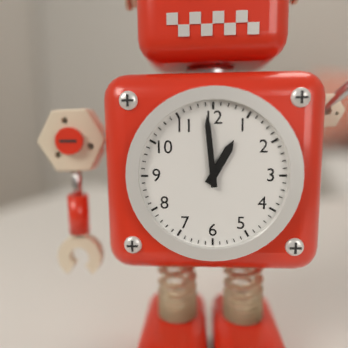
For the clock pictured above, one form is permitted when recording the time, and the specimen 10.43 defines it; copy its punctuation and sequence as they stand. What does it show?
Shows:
12.59
